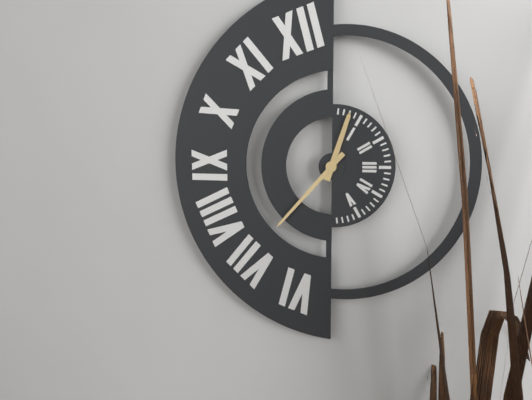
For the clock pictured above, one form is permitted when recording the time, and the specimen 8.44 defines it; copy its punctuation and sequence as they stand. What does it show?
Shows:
12.37
